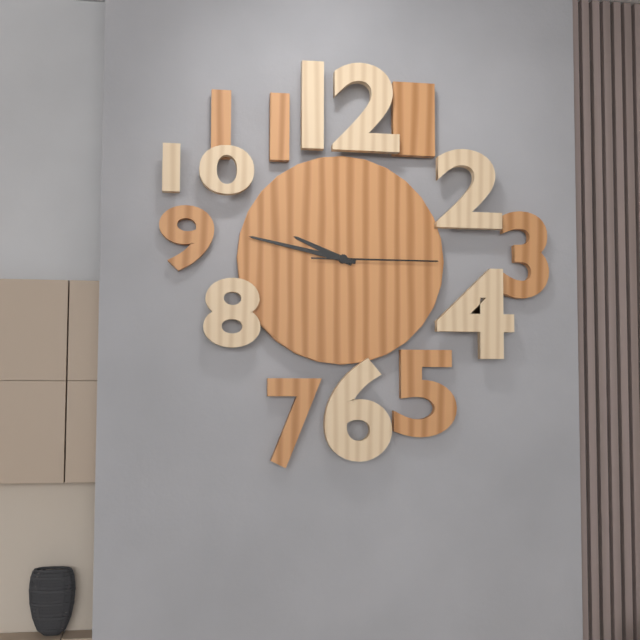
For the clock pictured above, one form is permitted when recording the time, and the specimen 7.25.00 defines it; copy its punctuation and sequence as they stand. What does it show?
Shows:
9.47.15
